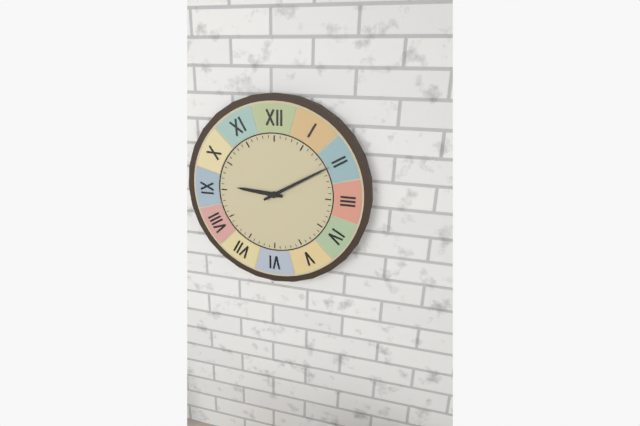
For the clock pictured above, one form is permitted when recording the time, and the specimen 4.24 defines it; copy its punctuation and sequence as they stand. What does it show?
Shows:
9.10
